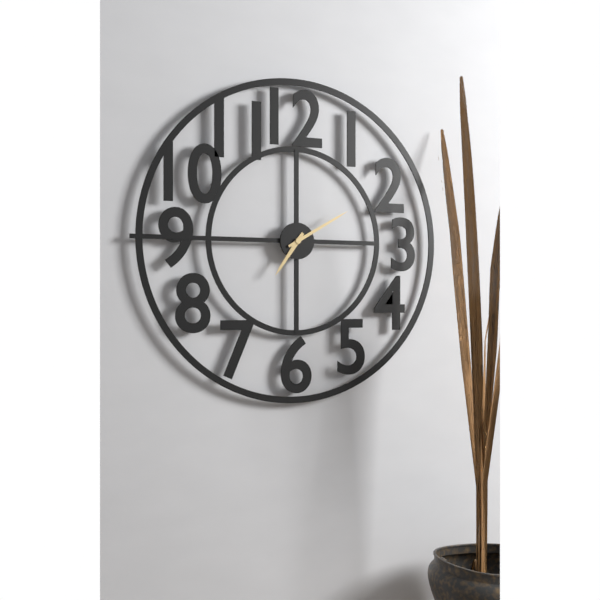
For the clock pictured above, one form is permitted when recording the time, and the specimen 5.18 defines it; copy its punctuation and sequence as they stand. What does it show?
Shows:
7.10
